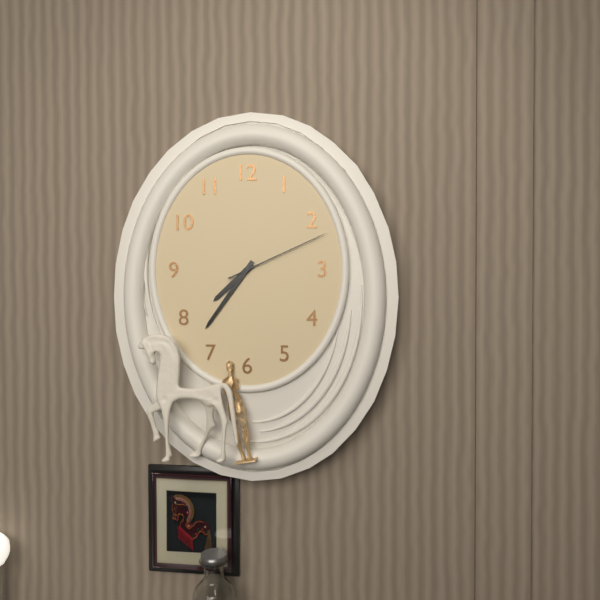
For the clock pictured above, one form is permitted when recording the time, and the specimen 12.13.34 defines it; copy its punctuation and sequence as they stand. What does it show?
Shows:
7.36.11
